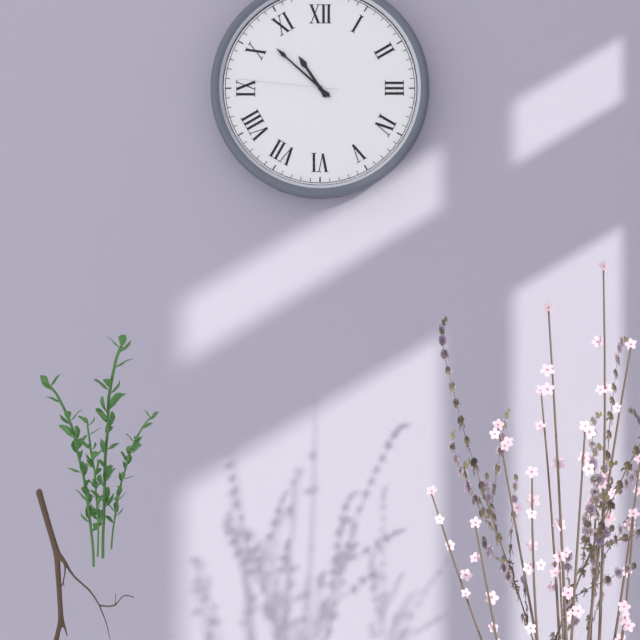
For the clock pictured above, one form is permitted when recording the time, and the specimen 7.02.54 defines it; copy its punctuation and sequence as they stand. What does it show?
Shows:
10.52.46
